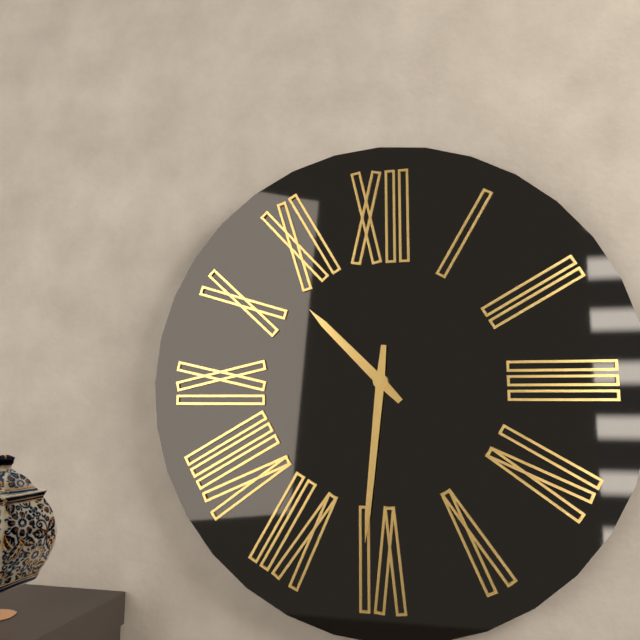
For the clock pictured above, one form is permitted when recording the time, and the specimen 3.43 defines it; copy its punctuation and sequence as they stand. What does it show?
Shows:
10.31
